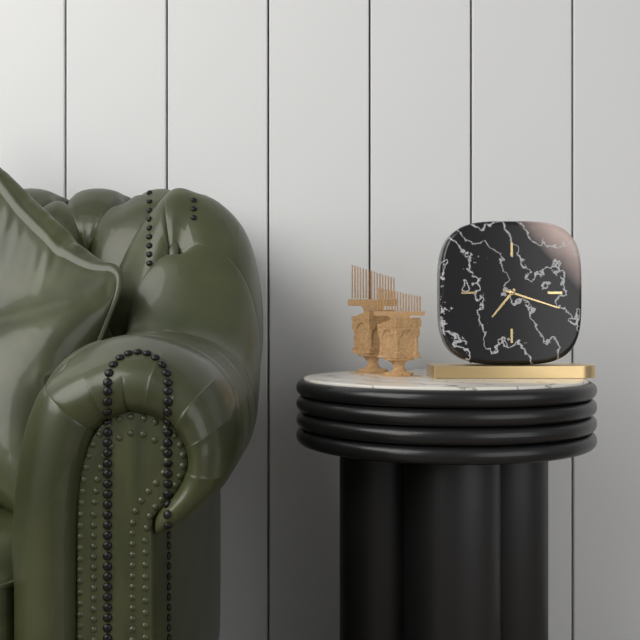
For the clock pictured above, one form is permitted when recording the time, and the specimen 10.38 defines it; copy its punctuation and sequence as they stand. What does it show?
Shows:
7.18
